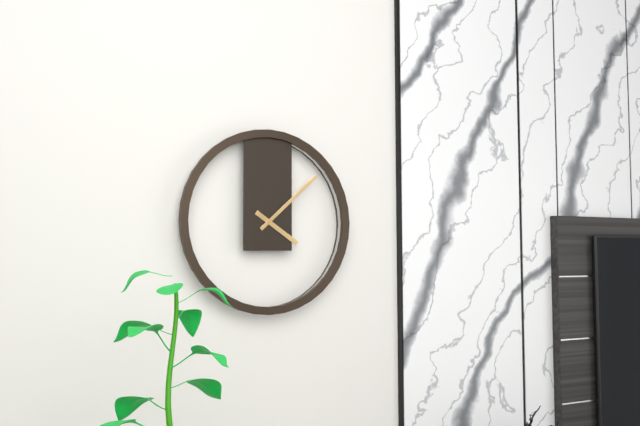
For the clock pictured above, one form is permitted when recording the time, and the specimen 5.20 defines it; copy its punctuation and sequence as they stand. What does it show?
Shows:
4.08
